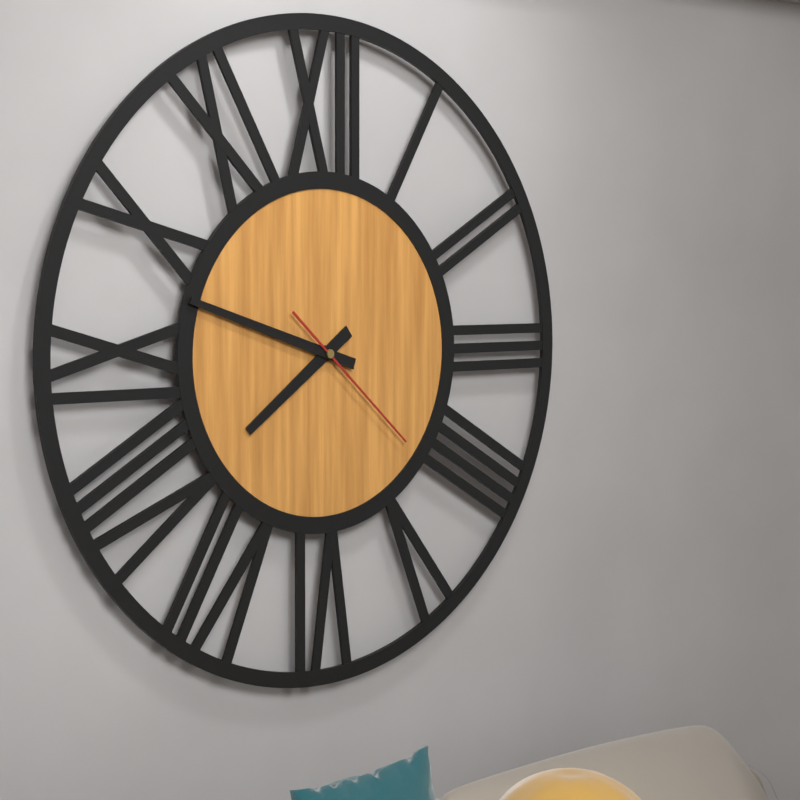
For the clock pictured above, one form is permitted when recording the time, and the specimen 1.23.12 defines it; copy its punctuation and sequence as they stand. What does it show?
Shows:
7.48.22
